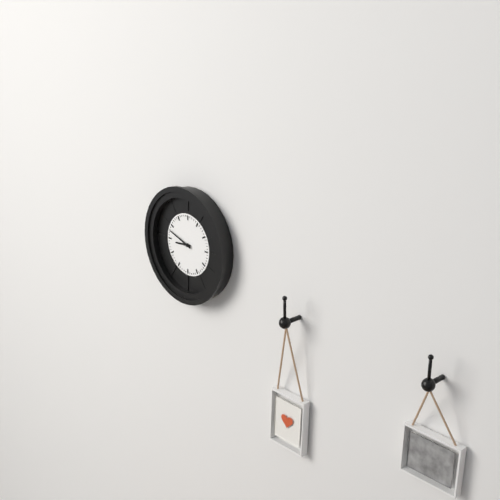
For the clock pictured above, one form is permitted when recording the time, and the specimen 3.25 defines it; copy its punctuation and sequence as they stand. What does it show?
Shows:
8.48
